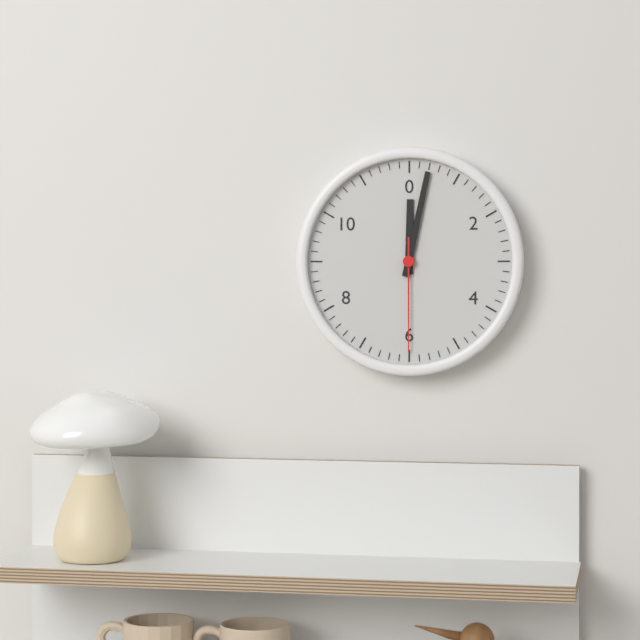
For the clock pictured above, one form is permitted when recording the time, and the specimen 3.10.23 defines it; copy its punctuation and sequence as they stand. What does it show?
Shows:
12.02.30
